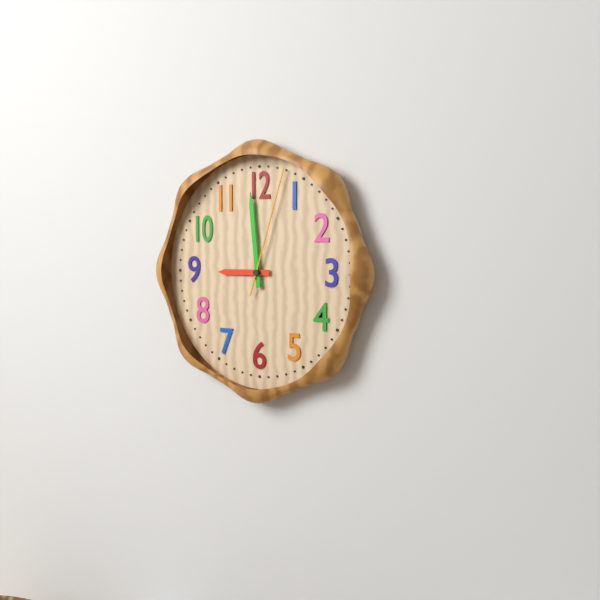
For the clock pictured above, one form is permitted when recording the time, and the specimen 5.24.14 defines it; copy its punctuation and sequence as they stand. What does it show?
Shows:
8.59.03
